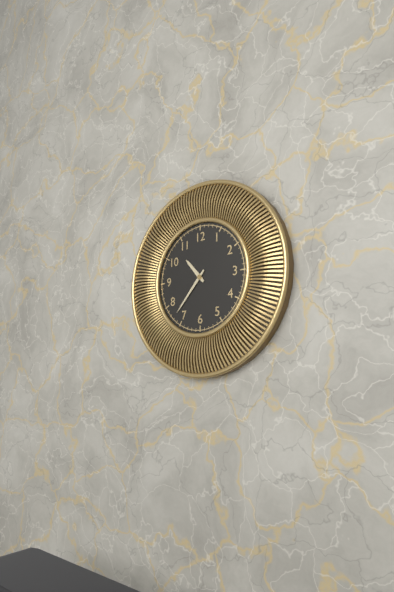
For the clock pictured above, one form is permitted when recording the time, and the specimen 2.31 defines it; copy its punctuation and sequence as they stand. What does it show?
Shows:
10.37
